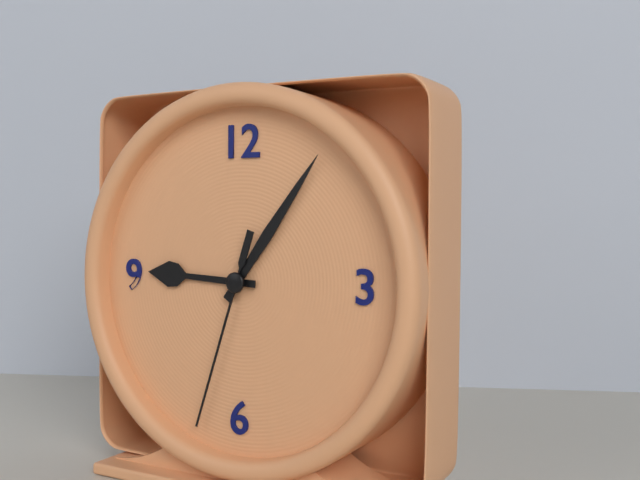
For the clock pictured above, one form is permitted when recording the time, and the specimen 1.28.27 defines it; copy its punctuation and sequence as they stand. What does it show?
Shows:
9.06.33
